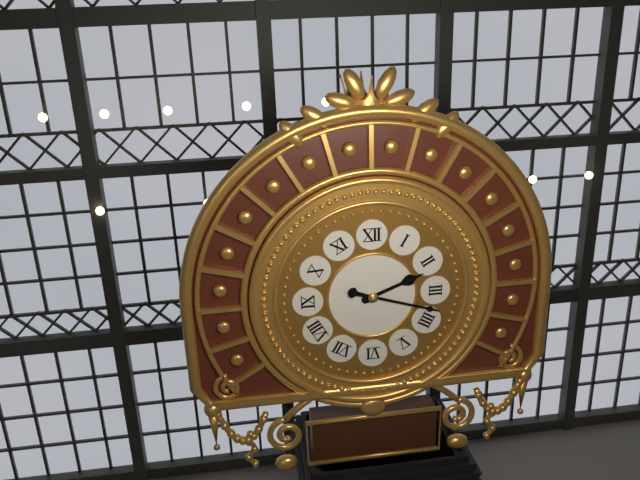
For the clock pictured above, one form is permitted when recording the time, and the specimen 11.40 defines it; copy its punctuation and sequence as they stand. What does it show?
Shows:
2.18
